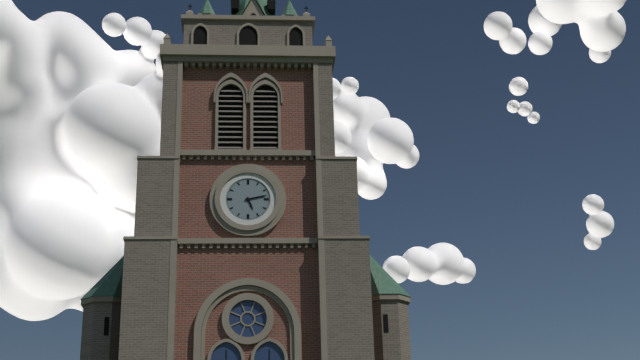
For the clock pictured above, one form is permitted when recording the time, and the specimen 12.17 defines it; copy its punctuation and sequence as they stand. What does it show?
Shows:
5.13
